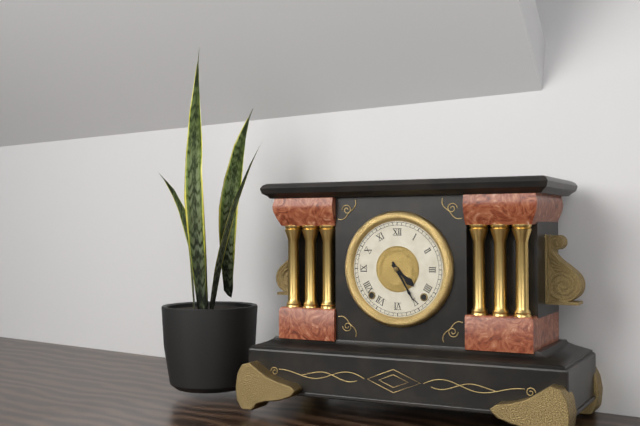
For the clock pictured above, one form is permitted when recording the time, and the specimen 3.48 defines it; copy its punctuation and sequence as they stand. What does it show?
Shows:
4.25
